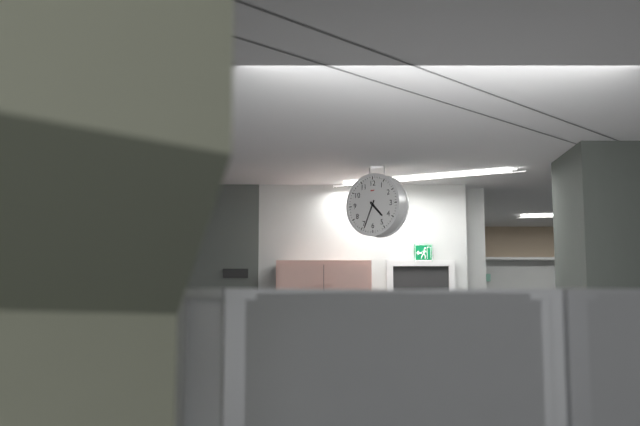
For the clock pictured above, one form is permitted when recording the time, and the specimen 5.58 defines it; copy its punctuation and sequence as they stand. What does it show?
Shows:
4.34
